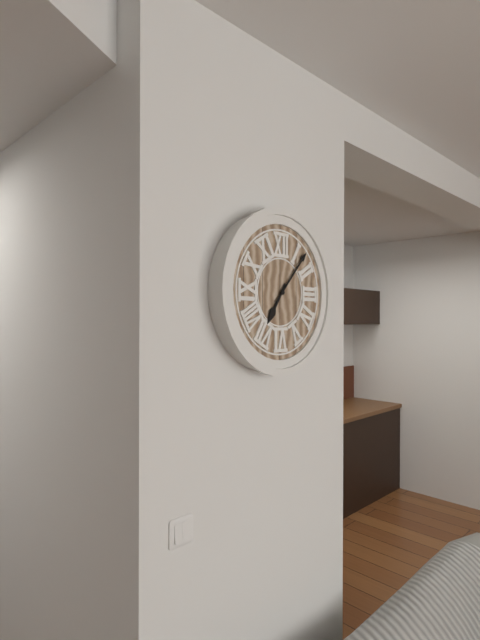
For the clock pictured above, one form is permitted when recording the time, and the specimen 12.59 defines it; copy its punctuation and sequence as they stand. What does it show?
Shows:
7.07
